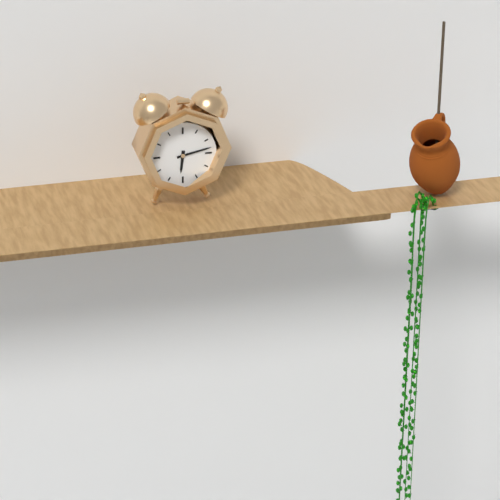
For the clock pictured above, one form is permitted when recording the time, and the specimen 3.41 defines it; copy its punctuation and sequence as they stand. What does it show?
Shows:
6.13
